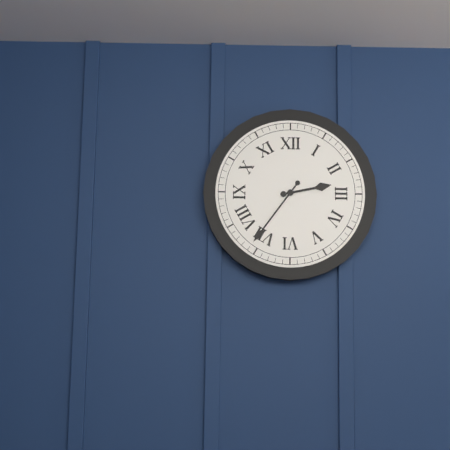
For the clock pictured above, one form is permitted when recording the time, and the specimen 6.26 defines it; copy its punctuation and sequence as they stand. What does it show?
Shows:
2.36
